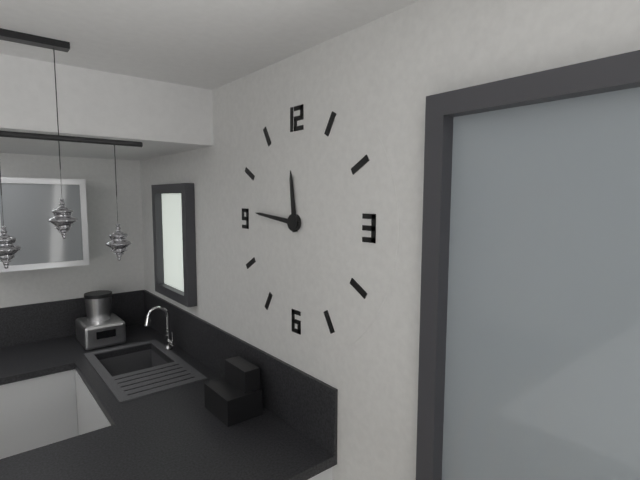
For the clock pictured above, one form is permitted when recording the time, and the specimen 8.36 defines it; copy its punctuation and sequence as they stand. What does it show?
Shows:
11.46
